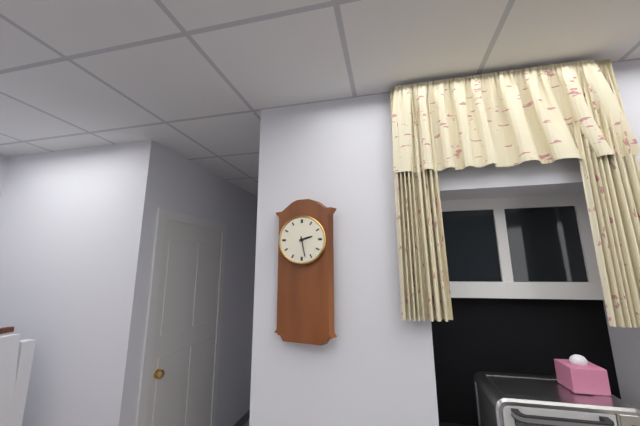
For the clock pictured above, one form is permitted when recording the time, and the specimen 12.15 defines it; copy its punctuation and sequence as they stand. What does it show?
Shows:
2.28
